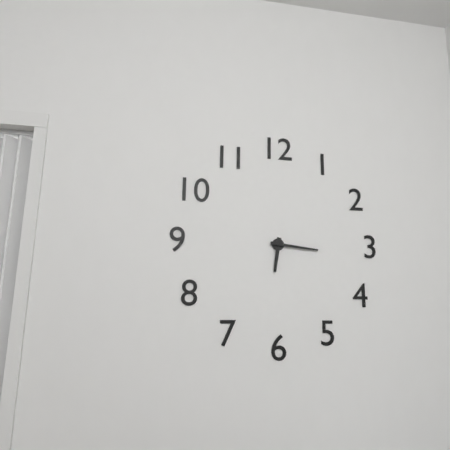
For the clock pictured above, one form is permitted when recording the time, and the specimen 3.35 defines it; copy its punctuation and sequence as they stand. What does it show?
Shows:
6.16
